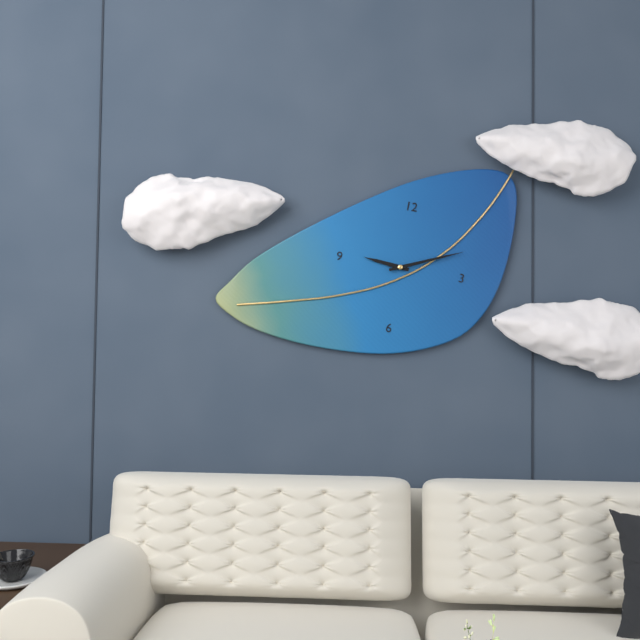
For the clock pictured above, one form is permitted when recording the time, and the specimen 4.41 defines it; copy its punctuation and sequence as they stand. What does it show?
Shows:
9.11
